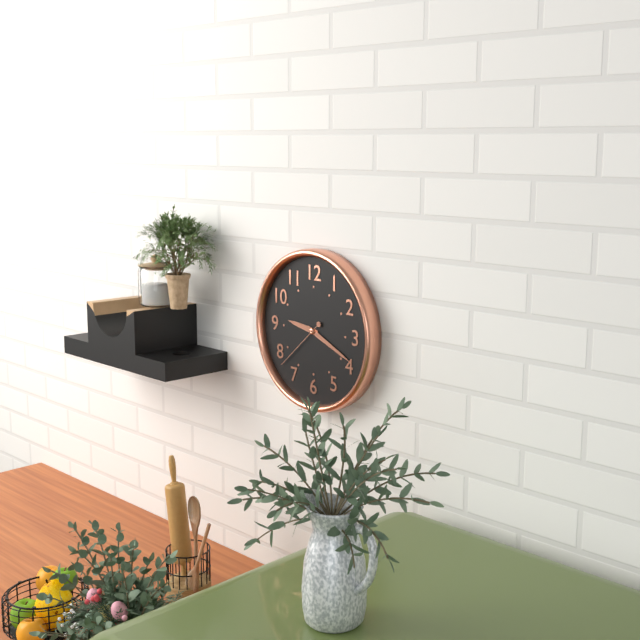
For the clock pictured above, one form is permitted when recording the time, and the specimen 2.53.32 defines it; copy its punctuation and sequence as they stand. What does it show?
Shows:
9.19.38
